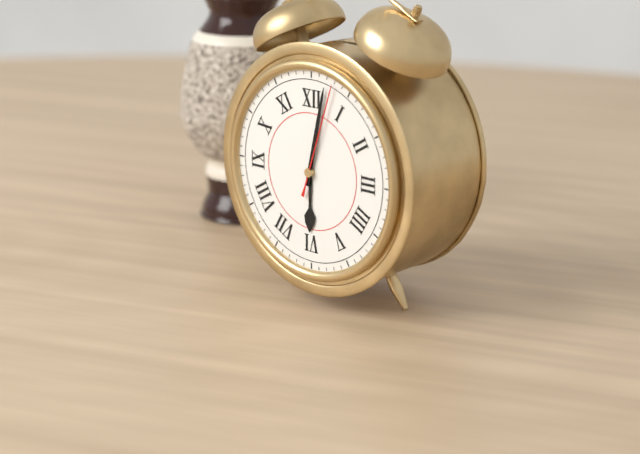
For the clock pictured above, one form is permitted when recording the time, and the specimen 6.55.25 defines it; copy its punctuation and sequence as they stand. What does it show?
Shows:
6.02.03
